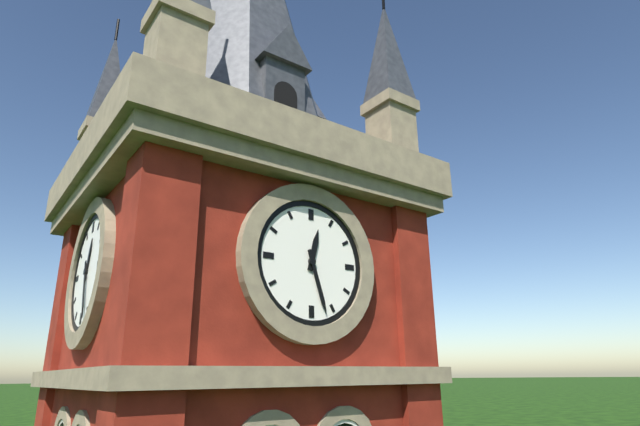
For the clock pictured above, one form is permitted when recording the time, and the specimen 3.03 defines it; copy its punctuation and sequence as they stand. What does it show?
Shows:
12.27
